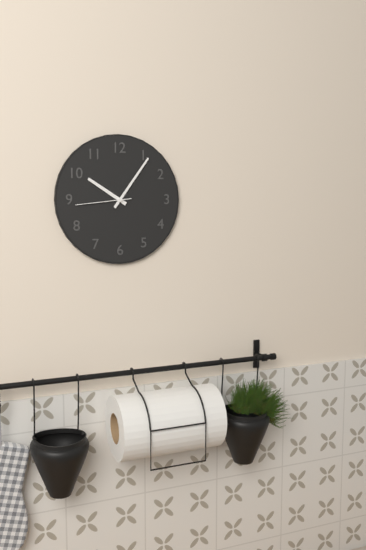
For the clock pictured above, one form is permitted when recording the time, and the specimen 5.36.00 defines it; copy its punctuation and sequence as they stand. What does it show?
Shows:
10.06.44
